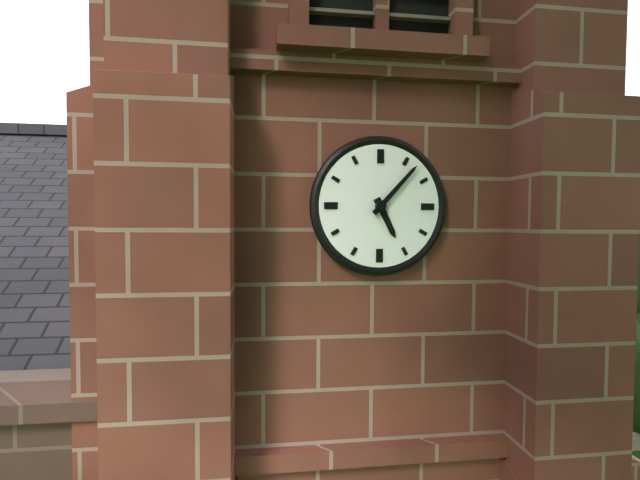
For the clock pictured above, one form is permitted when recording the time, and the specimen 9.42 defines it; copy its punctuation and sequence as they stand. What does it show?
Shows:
5.07
